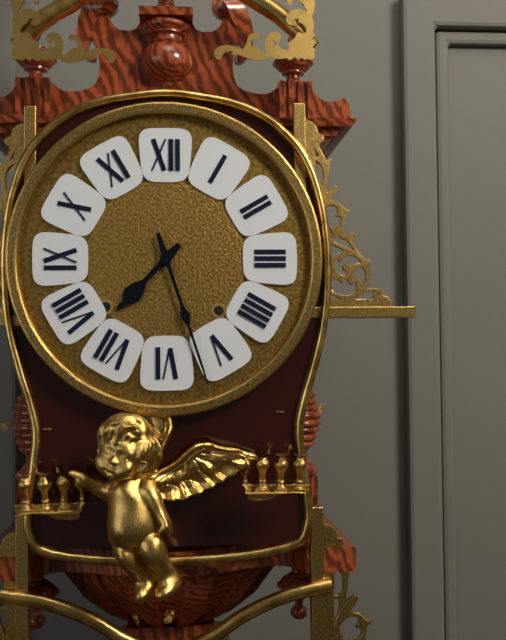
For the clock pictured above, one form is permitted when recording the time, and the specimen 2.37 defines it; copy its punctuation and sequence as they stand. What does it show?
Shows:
7.27
